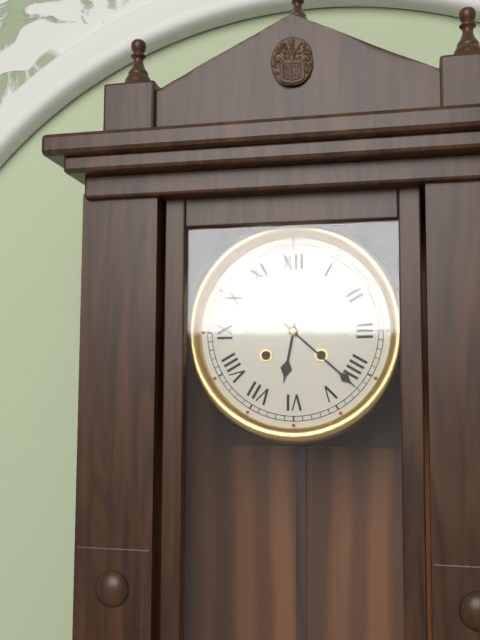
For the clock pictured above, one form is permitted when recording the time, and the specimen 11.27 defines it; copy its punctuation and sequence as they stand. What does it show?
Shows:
6.22
